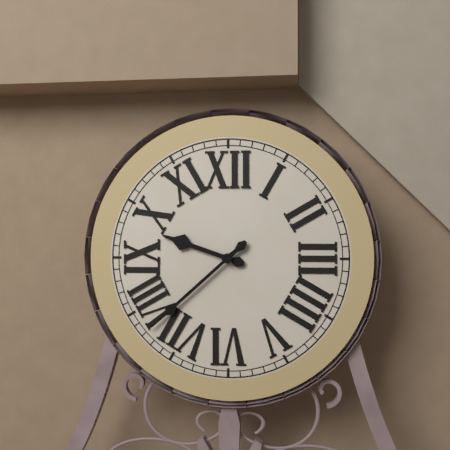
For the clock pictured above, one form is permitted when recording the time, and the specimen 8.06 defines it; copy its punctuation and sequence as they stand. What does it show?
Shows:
9.38
